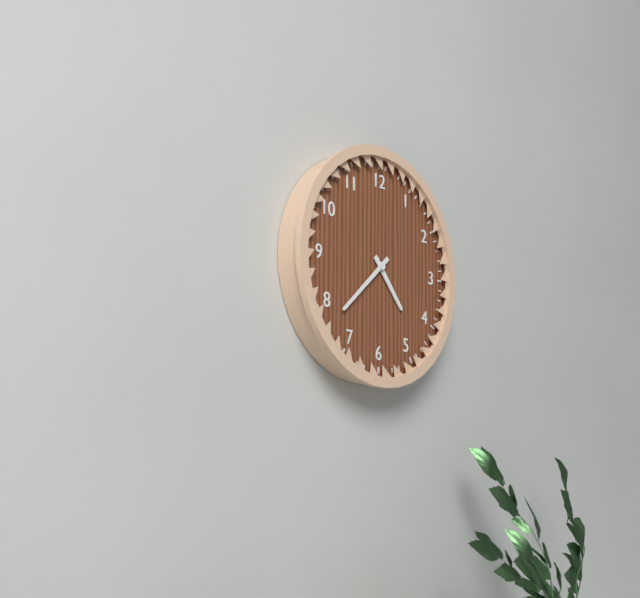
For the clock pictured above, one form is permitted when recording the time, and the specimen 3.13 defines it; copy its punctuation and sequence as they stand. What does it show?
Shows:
4.38
